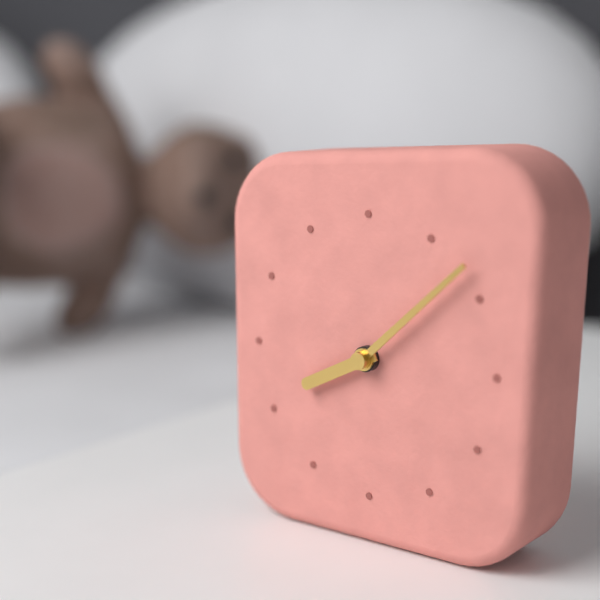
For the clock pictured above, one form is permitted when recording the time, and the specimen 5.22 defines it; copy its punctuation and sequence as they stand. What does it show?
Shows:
8.08
